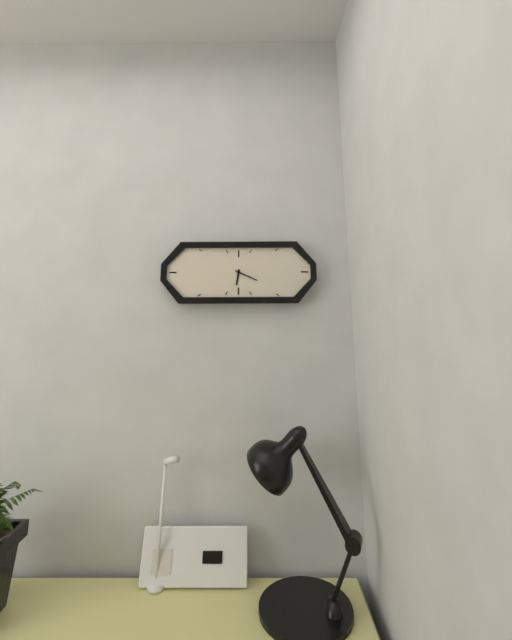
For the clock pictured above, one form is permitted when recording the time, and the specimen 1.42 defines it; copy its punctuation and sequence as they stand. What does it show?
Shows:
6.19
